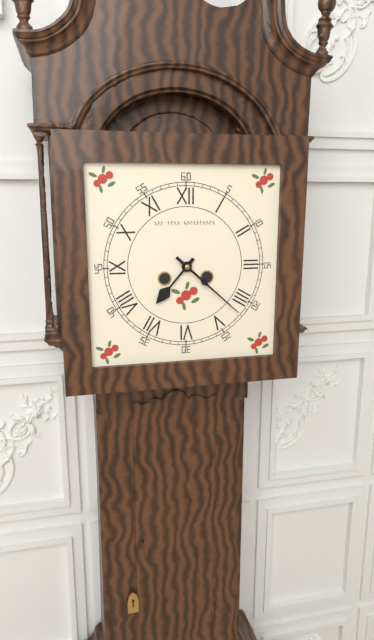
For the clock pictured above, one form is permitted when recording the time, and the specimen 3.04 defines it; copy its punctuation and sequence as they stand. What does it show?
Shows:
7.22
